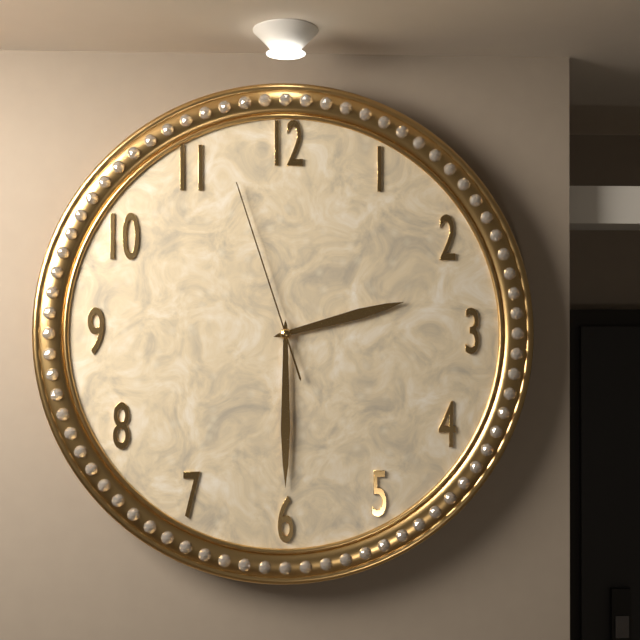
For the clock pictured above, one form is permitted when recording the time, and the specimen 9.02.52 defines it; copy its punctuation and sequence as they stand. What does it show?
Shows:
2.30.57
